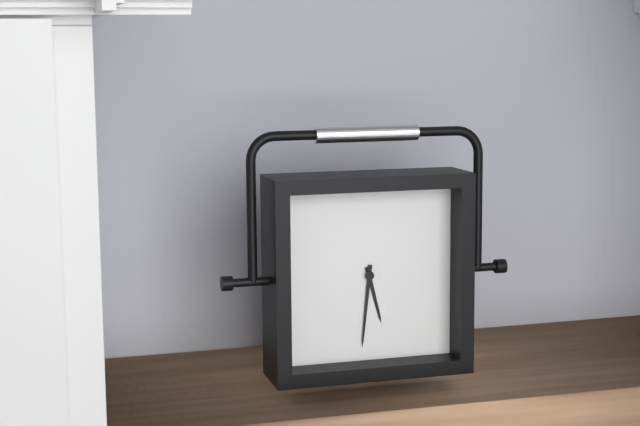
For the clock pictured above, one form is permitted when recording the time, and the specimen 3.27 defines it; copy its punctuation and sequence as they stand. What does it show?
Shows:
5.31
